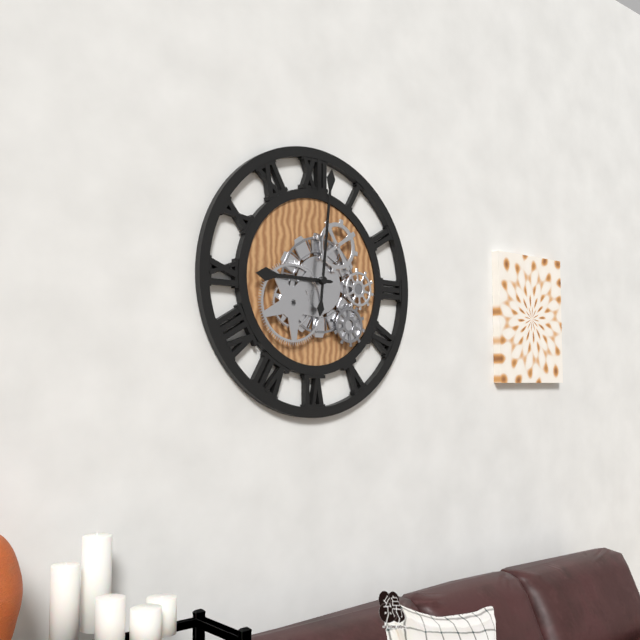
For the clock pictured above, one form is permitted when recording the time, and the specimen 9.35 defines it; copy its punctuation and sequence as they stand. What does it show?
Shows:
9.01
